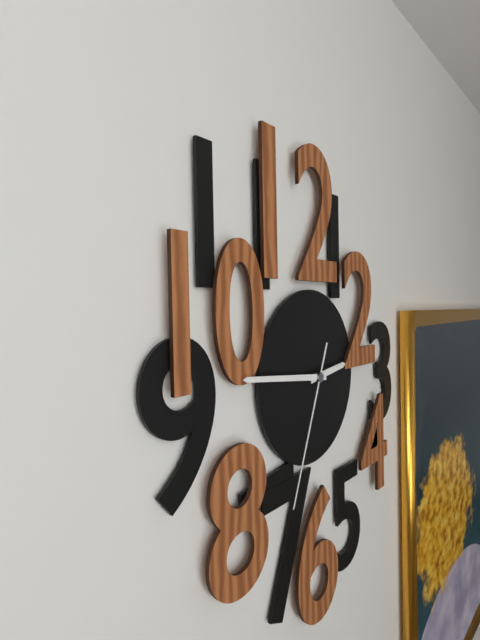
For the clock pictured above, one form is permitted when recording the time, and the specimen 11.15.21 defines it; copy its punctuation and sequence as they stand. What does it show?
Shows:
2.46.34
